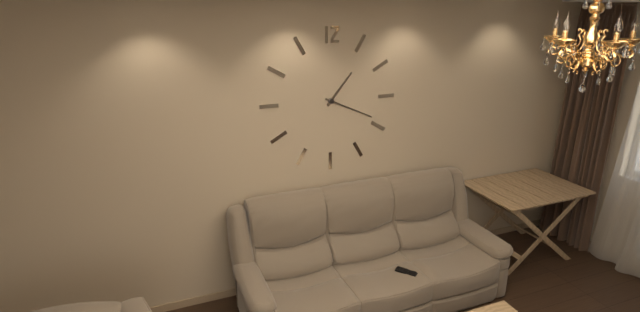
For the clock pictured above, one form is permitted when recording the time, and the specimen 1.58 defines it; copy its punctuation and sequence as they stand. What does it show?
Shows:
1.19
